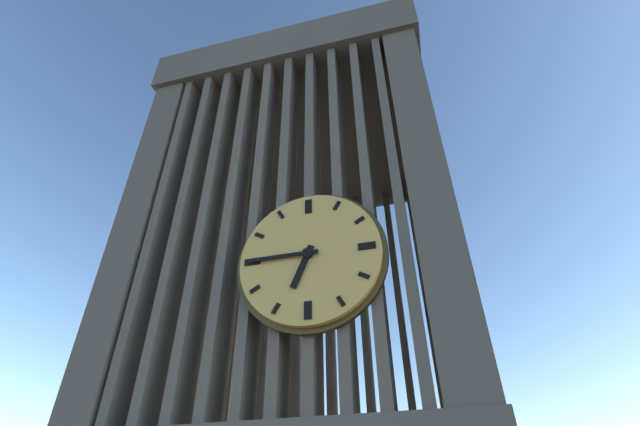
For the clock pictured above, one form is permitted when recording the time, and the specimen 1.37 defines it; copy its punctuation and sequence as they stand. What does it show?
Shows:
6.45
